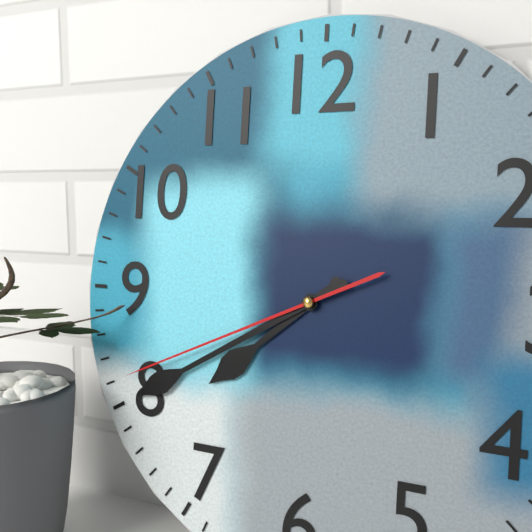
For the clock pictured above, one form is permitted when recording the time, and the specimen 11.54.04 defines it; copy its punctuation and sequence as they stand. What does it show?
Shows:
7.40.41
